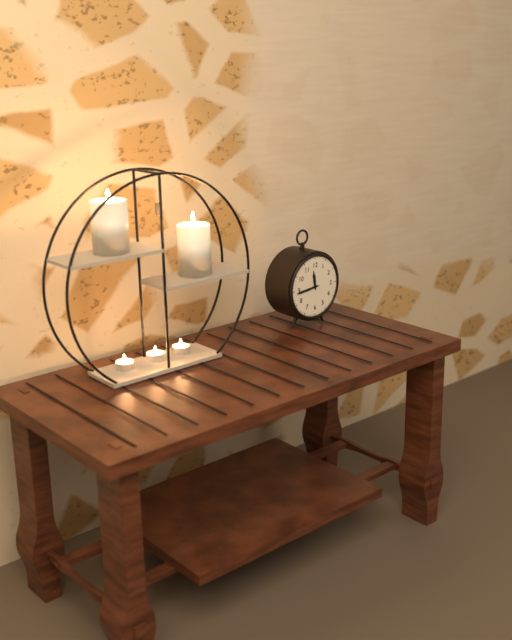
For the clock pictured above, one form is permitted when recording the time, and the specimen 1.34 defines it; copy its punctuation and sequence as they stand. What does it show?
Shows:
11.44
